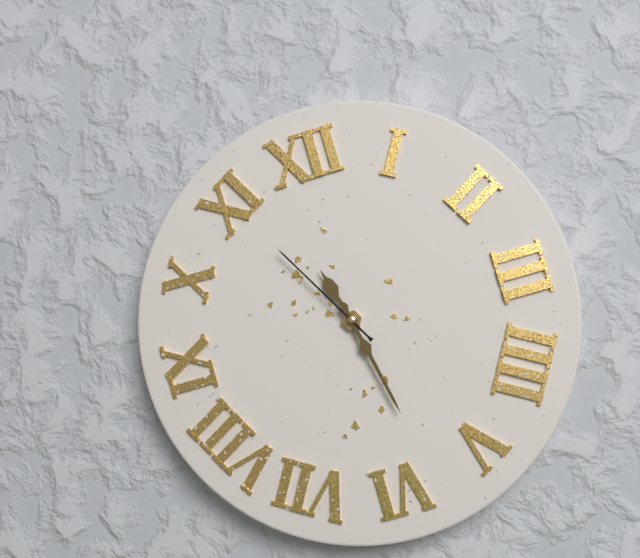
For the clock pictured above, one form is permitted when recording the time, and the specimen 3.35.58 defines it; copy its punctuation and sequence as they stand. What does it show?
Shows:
11.28.55
